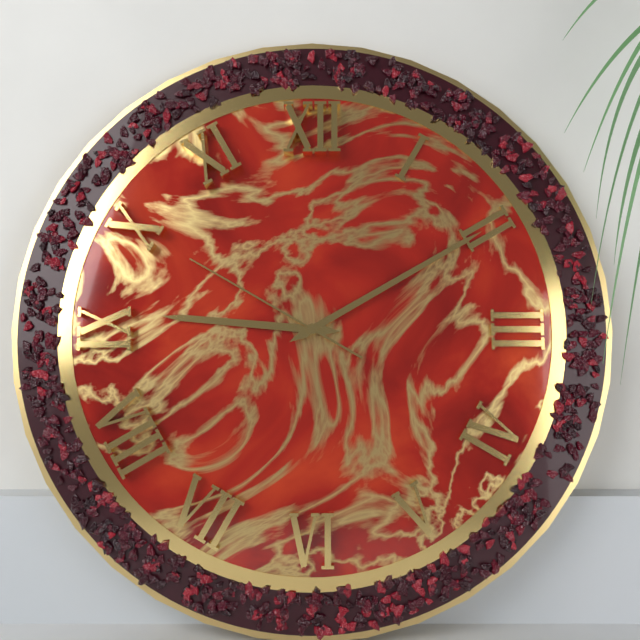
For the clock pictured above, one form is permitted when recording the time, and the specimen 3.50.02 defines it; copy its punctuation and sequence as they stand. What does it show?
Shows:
9.10.50
